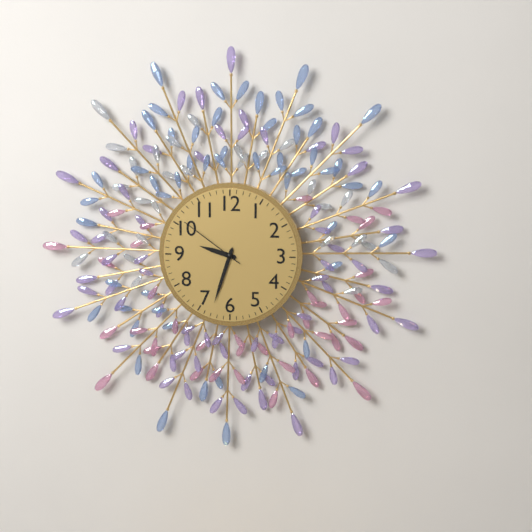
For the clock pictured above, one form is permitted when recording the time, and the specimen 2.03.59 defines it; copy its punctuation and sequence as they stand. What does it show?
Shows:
9.33.51
